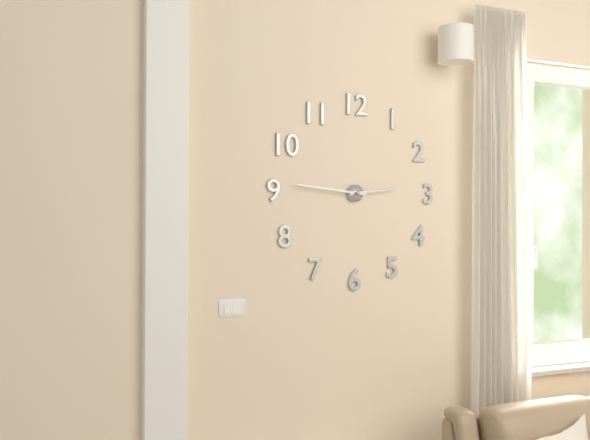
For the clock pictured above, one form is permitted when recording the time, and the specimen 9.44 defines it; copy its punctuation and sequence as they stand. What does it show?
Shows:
2.46
